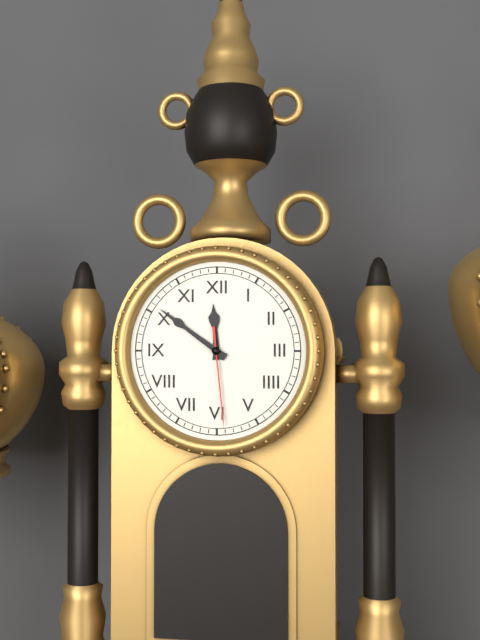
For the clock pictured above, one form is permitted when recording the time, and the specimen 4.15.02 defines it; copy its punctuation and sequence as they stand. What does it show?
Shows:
11.51.29
